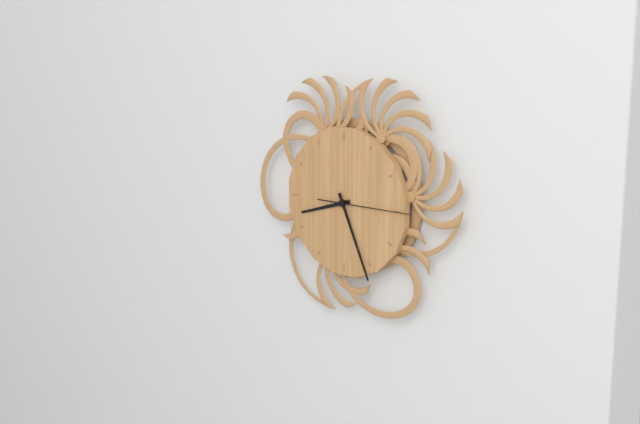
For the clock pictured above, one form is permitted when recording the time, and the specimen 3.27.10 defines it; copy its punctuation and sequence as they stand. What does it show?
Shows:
8.26.15
